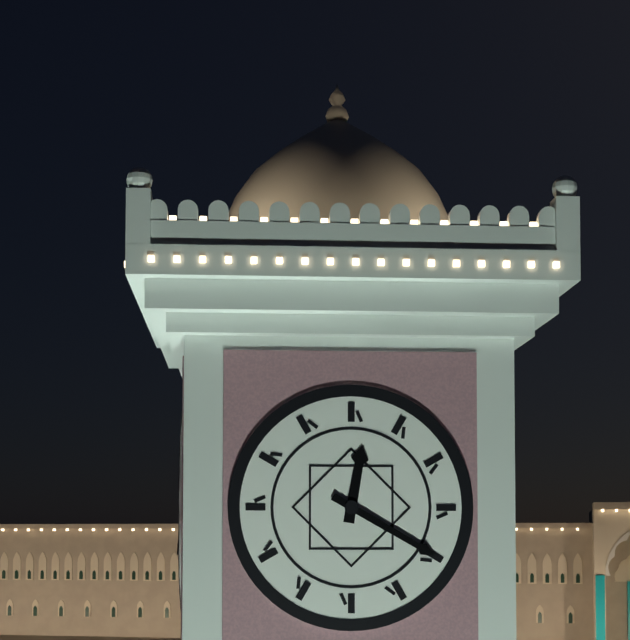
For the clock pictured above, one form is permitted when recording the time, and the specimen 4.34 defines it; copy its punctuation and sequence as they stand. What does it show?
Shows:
12.20
